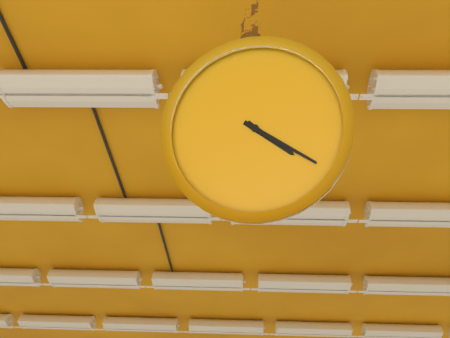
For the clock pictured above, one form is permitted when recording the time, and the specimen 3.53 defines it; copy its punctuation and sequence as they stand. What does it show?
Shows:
4.21
